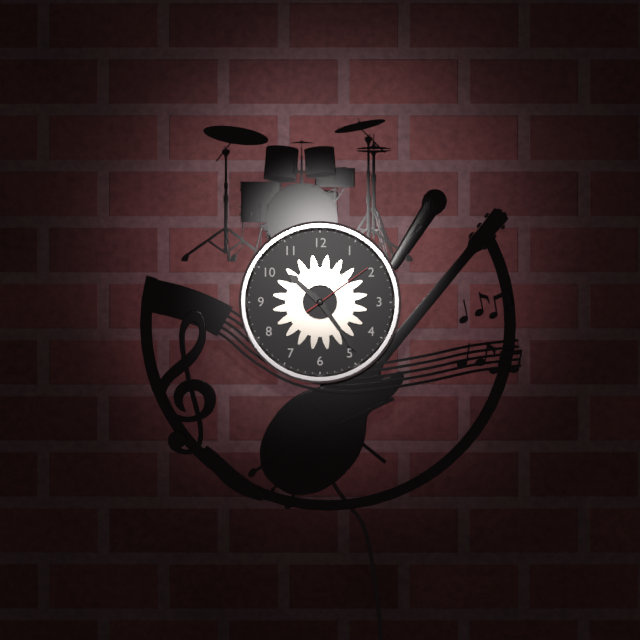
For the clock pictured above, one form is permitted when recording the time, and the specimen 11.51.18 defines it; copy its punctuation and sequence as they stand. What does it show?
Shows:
10.24.09
